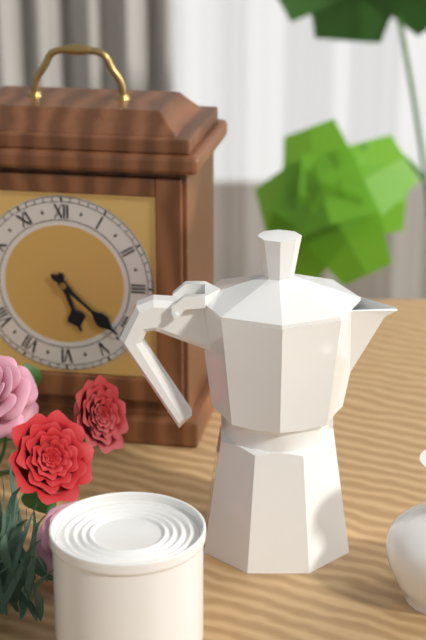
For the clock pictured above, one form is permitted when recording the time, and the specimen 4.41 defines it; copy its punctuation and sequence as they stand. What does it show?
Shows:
5.22
